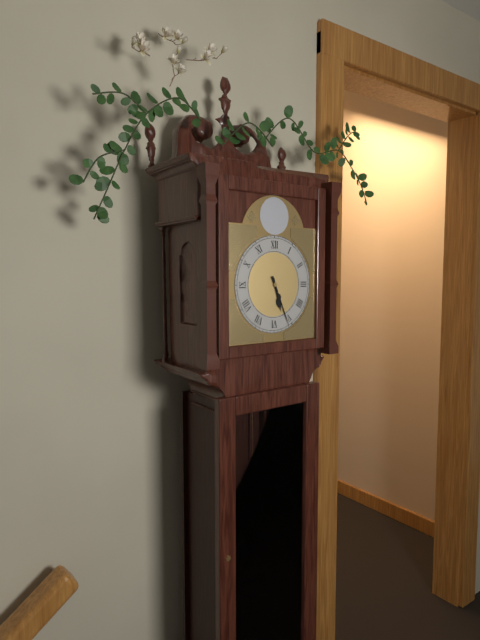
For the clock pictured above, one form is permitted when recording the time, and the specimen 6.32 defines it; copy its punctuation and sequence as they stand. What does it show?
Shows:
5.26
